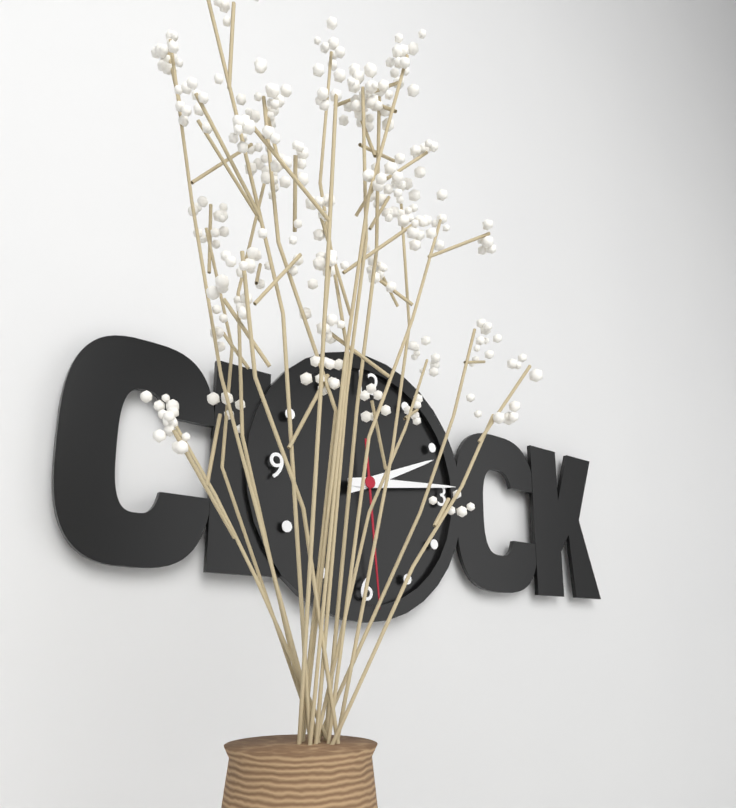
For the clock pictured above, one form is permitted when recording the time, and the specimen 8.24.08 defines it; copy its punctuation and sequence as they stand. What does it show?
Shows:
2.14.29
